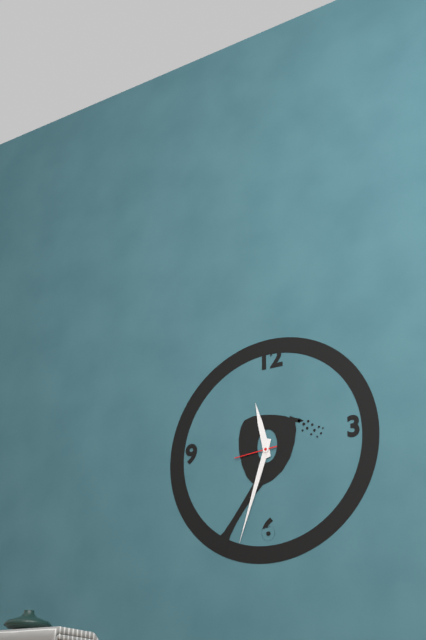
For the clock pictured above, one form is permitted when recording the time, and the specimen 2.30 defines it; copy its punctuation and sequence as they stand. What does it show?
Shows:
11.33
